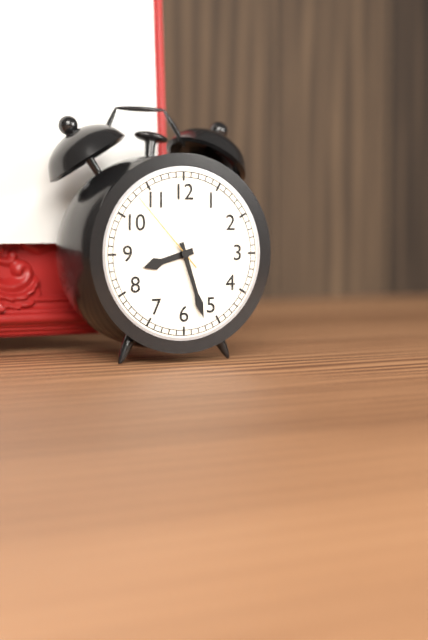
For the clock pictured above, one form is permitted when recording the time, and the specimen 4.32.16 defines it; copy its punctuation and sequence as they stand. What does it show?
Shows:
8.27.53
